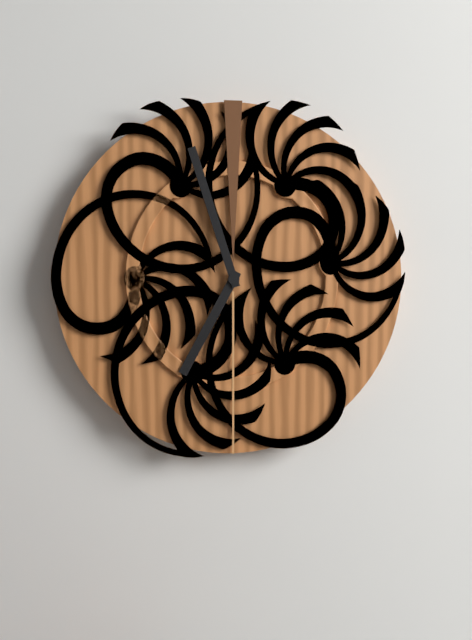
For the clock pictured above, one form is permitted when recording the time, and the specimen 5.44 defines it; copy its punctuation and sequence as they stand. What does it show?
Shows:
6.57
